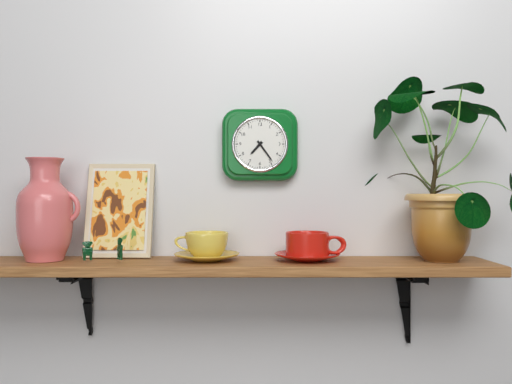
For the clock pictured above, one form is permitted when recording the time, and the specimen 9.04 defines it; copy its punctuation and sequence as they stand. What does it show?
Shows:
7.24
